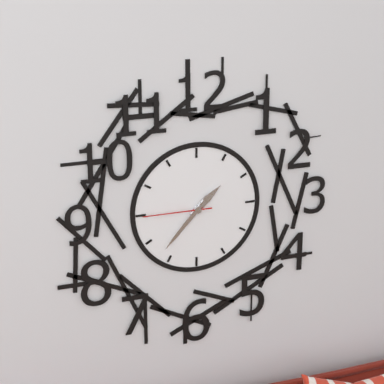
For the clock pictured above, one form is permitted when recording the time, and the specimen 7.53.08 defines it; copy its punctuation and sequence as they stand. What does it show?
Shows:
1.37.45
